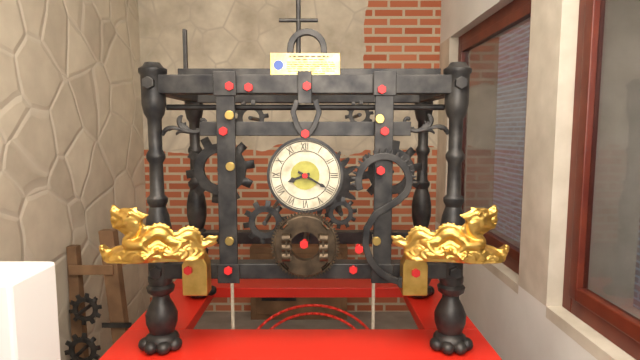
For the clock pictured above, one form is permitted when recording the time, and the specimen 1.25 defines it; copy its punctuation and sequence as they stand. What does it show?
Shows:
8.20
